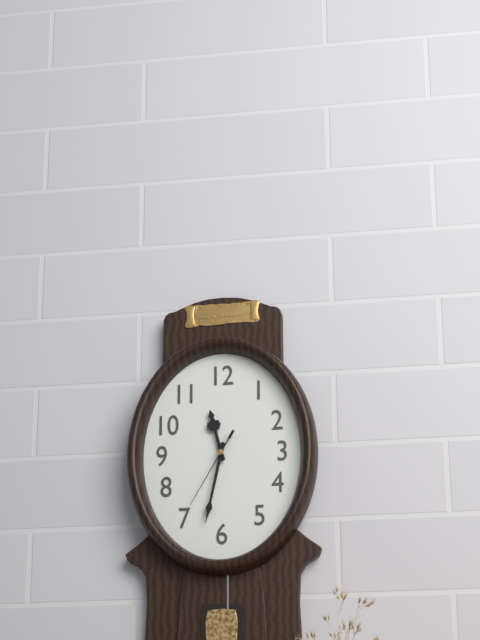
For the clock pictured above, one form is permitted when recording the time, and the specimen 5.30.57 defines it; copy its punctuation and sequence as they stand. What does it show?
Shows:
11.32.35
